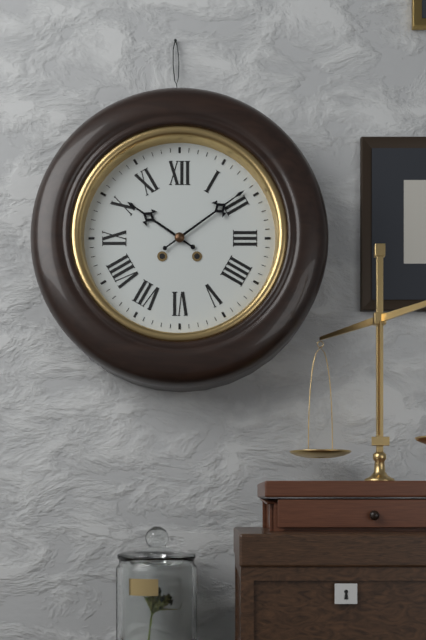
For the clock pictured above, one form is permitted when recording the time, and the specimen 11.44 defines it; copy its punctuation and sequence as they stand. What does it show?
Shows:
10.09
